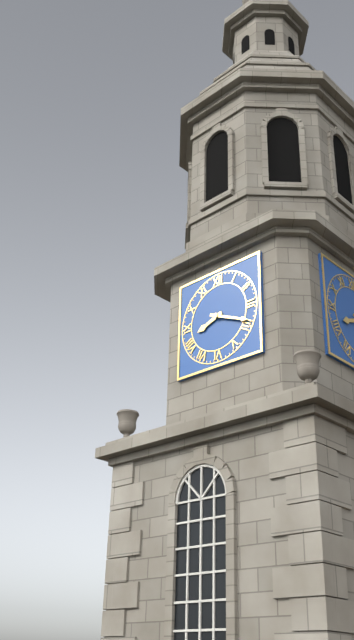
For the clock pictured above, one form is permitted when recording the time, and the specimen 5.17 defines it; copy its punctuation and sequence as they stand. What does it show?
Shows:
8.19
